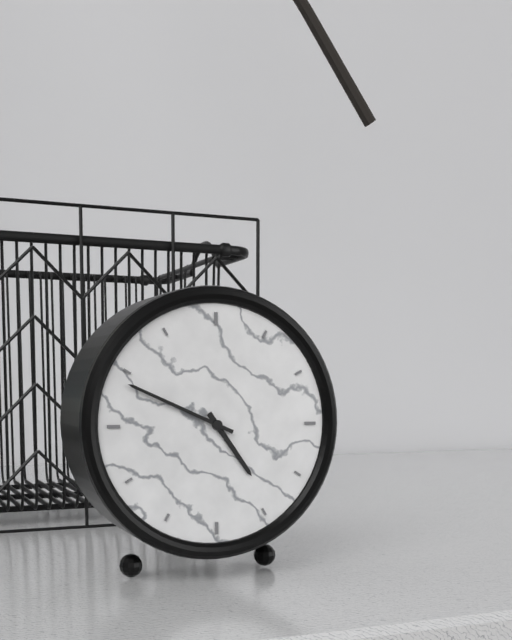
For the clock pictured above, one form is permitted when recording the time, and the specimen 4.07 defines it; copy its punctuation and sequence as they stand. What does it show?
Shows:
4.49
